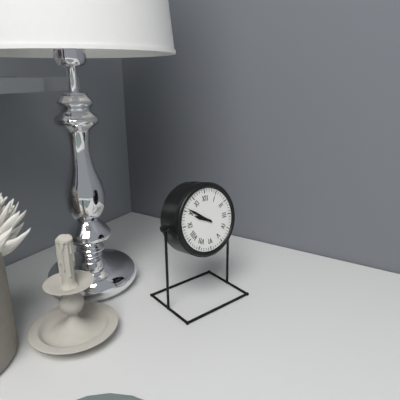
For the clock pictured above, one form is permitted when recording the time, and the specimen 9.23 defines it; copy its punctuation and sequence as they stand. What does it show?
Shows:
9.51
